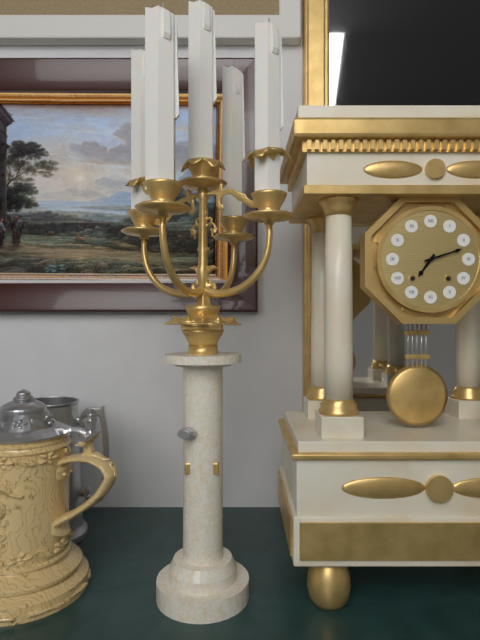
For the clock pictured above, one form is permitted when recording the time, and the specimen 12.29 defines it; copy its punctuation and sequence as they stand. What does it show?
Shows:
7.12
